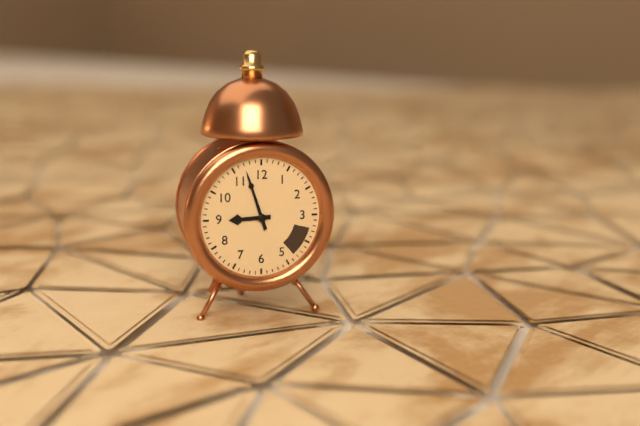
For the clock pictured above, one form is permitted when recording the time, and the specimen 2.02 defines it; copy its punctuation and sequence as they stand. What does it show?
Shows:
8.57
